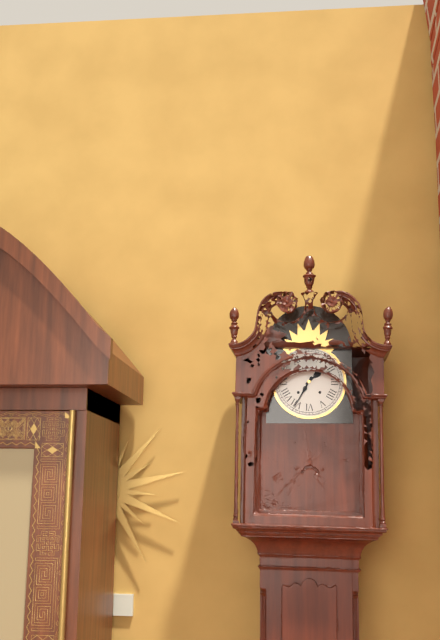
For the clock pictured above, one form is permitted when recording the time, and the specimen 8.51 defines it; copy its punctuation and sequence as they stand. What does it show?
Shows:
1.35
